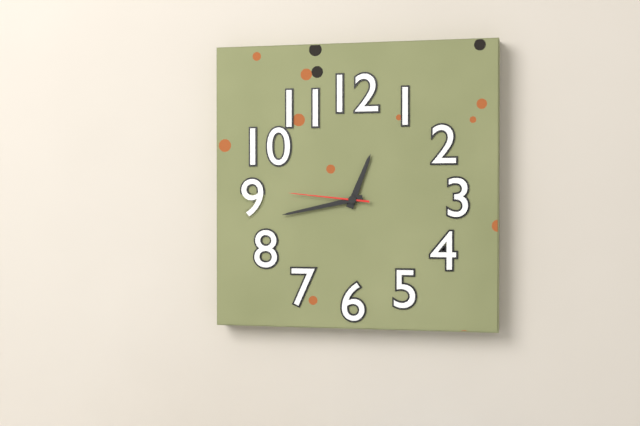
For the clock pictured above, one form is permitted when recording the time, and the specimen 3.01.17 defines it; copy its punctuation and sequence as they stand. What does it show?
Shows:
12.43.46
